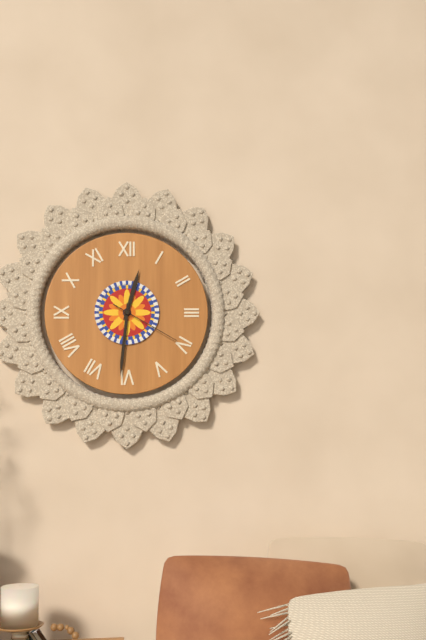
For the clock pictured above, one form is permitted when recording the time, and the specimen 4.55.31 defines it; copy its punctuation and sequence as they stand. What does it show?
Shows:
12.31.20
